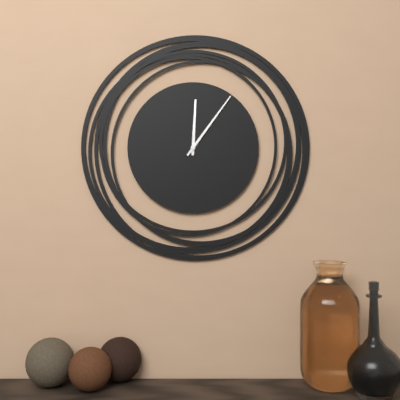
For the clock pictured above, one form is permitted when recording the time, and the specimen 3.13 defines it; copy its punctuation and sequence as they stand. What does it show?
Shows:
12.06
